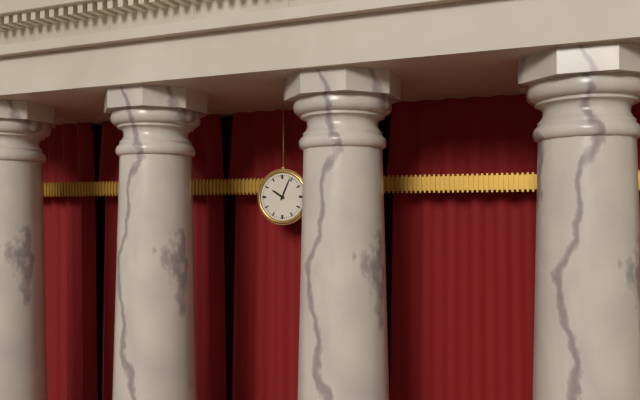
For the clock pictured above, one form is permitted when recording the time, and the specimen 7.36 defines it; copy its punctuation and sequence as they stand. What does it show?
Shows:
10.04
